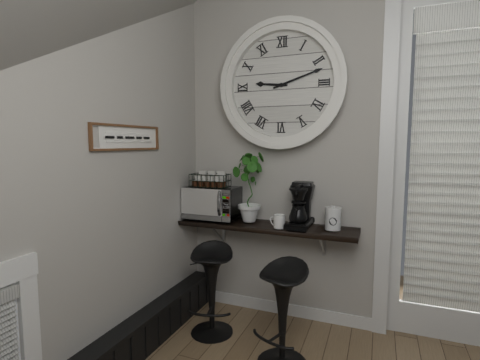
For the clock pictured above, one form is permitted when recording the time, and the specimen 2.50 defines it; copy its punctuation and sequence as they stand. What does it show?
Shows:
9.12
